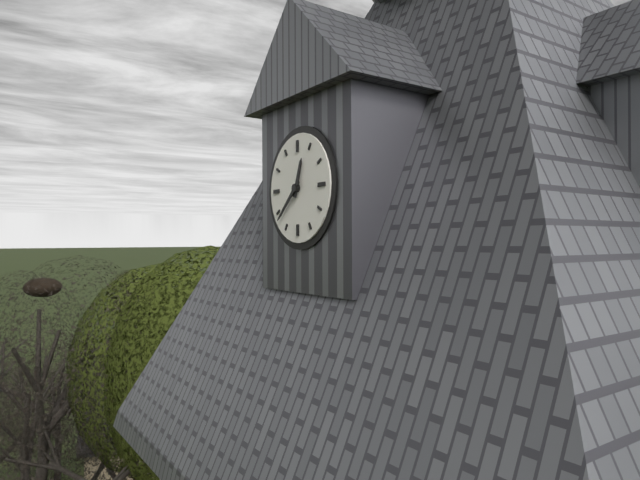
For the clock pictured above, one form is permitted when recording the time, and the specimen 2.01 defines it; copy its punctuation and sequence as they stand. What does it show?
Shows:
12.38
